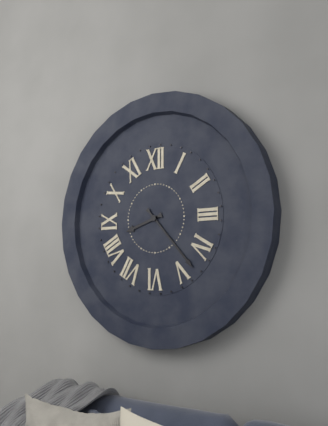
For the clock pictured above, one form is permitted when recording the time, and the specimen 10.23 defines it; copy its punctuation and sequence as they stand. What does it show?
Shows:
8.23
